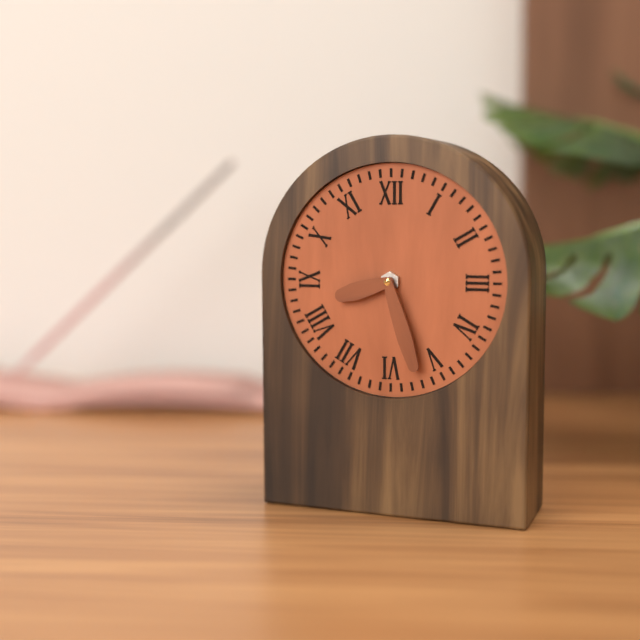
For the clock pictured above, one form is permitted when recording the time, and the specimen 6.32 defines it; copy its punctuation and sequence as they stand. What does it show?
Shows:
8.27
